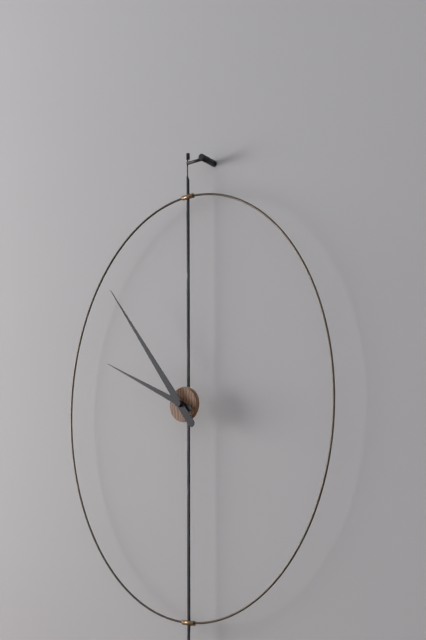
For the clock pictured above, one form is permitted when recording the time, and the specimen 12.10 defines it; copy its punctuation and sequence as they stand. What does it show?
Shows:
9.54
